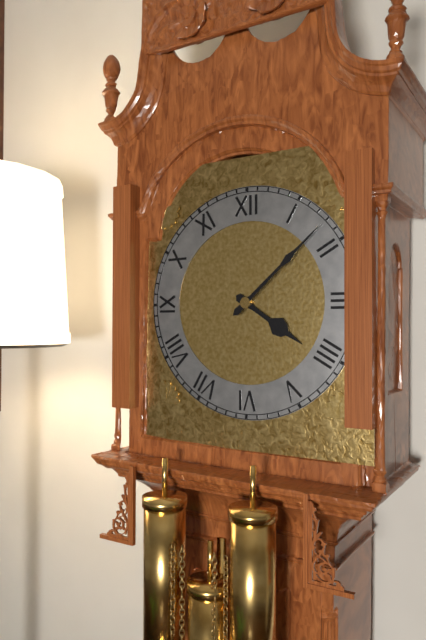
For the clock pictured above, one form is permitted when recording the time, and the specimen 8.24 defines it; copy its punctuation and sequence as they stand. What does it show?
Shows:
4.08
